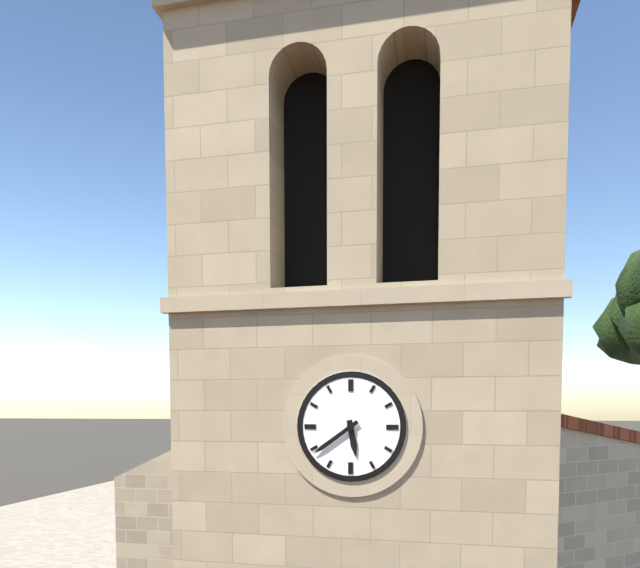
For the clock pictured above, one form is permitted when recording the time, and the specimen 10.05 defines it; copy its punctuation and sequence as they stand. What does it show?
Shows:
5.39
